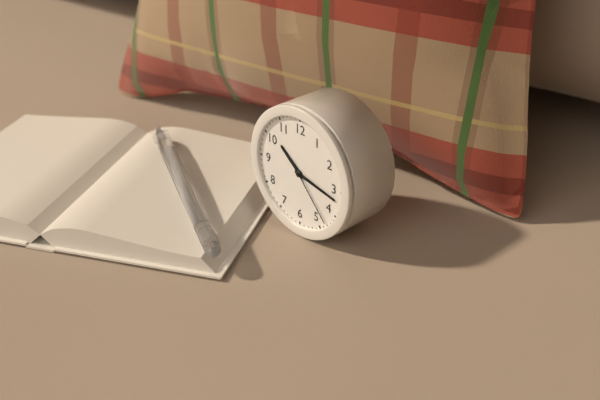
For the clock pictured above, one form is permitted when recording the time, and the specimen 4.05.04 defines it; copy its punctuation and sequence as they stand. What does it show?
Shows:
10.17.23
